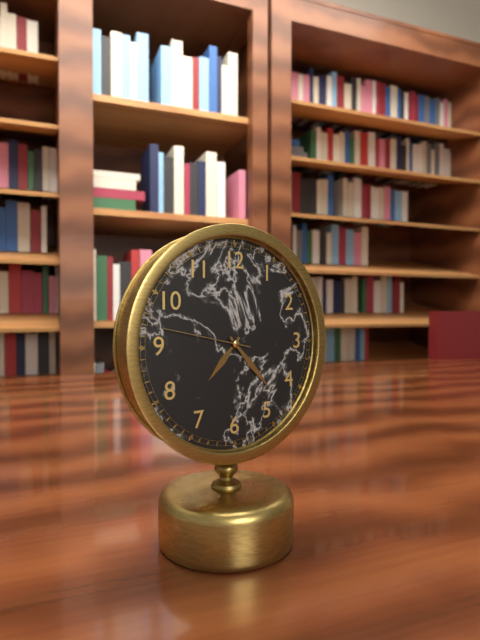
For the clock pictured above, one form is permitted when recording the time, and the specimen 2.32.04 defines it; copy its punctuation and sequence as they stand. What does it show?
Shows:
7.23.47
